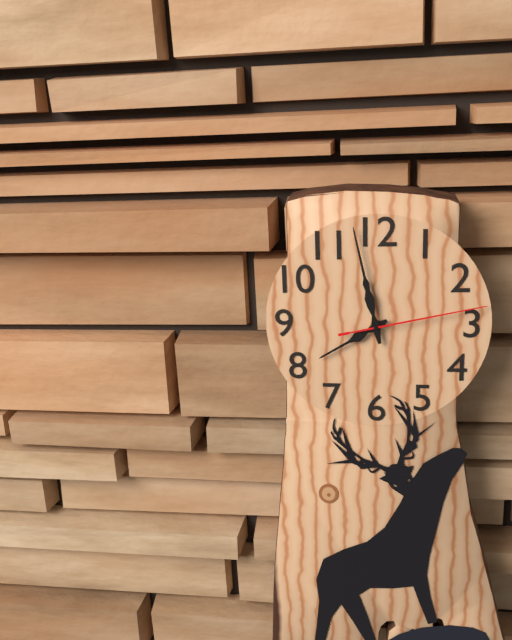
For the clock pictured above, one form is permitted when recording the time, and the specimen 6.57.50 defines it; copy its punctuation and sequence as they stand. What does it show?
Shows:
7.58.13
